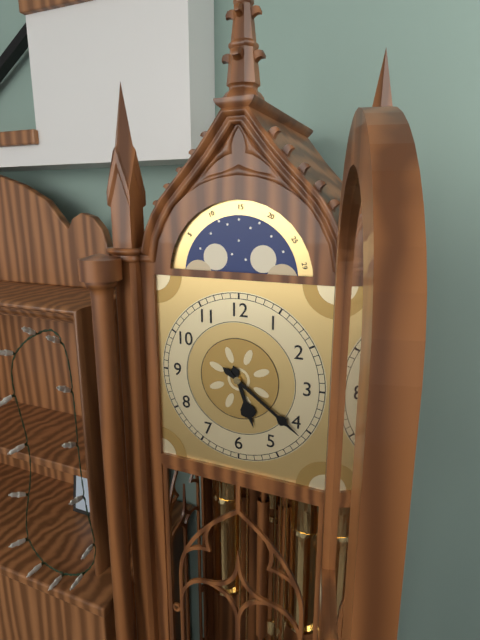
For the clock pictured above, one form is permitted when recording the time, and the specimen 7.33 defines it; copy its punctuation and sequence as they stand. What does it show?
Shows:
5.21
